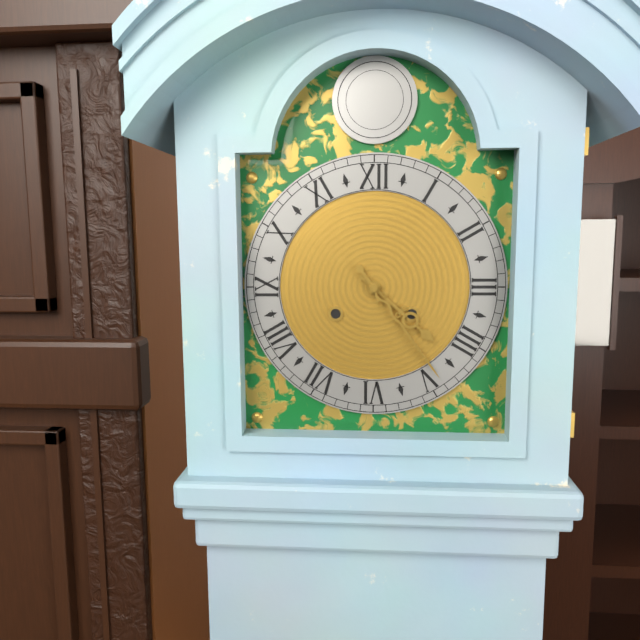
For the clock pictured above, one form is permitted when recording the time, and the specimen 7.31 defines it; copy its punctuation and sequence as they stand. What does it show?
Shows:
4.24
